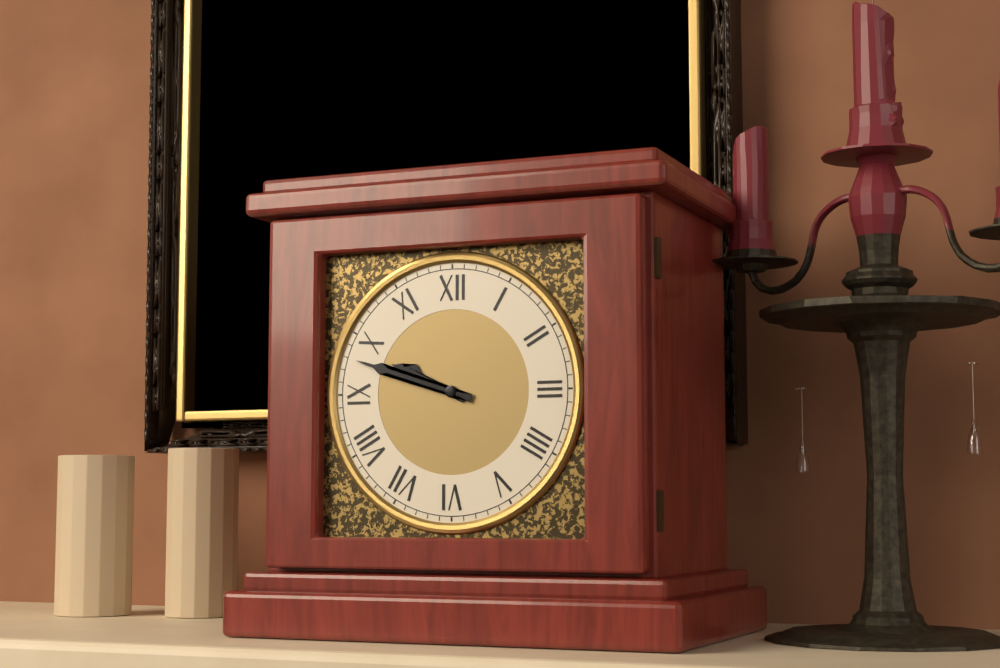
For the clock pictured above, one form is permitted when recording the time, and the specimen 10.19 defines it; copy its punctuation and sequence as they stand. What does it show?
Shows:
9.48
